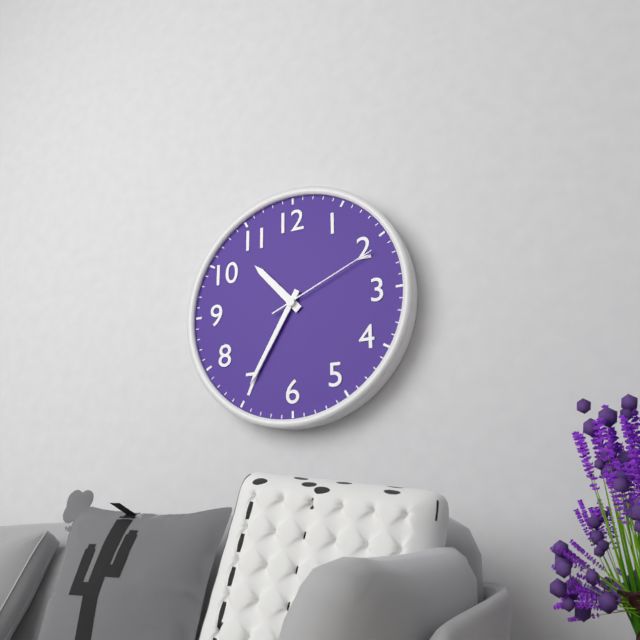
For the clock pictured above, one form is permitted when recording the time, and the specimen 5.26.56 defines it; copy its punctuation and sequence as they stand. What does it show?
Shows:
10.35.11
